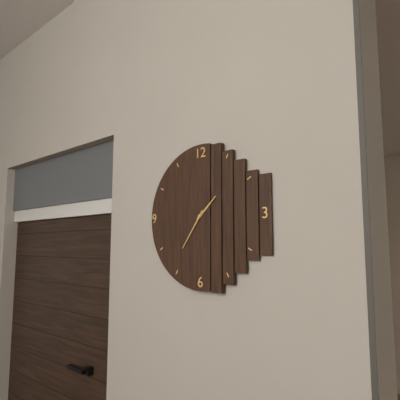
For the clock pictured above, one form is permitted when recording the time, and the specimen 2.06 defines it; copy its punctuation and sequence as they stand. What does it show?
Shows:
1.36
